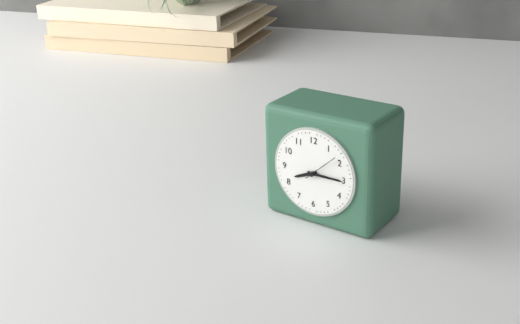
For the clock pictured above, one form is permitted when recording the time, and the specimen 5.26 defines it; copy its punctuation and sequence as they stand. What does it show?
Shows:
8.15
